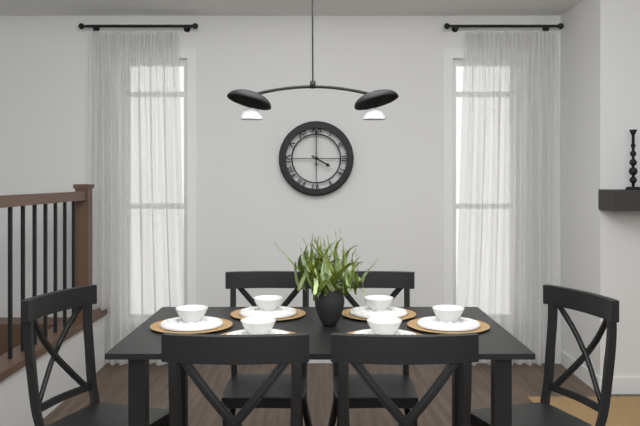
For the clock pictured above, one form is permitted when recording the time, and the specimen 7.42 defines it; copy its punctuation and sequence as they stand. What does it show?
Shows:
4.00
